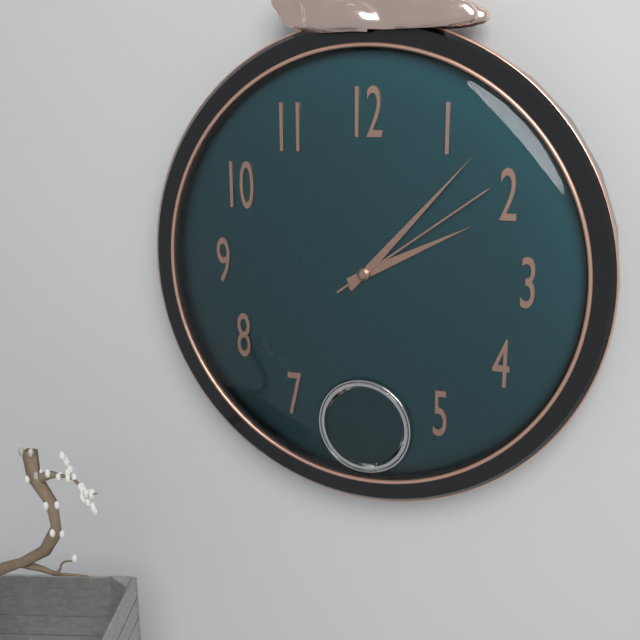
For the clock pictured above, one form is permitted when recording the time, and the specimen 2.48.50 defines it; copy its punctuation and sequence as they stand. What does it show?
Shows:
2.07.09
